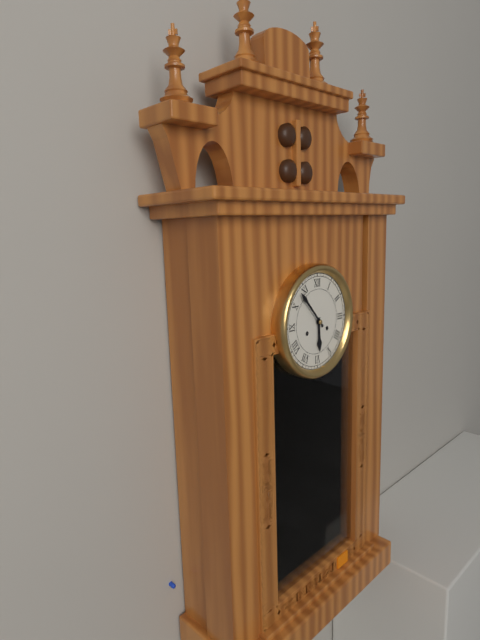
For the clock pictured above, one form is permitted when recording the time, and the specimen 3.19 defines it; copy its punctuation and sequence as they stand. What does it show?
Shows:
5.53
